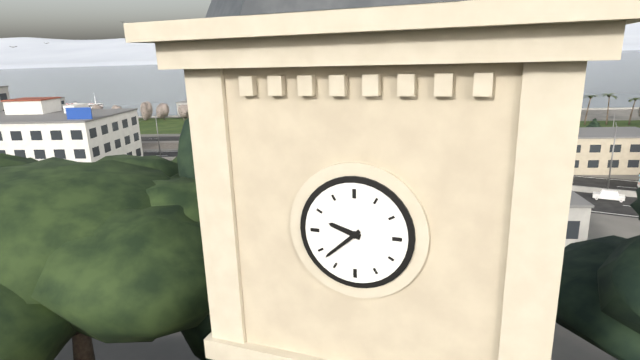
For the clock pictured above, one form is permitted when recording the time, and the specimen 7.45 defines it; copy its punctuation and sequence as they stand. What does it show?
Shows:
9.38
